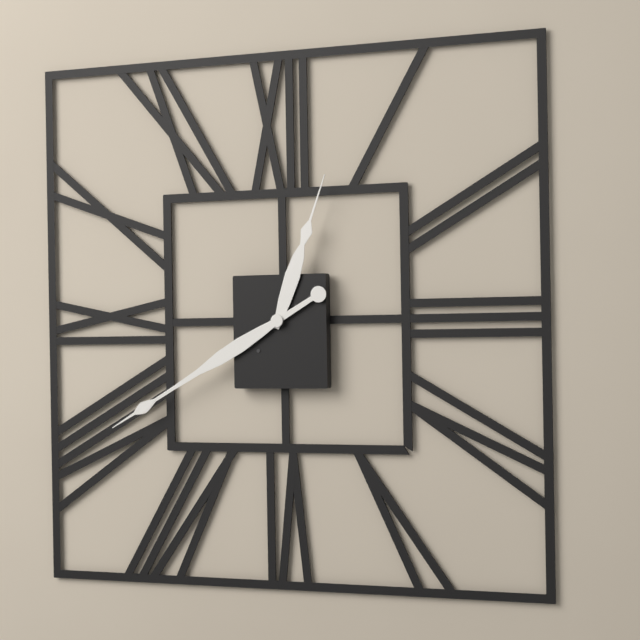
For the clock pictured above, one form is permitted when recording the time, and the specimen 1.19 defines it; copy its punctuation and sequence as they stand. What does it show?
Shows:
12.40
